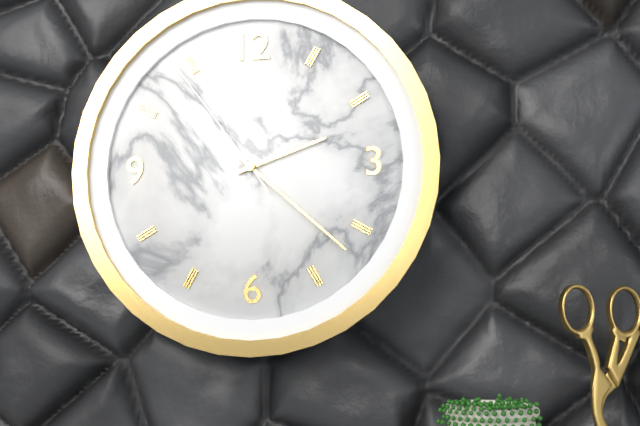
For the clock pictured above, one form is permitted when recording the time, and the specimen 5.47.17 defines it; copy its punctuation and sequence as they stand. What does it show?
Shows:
2.22.54
